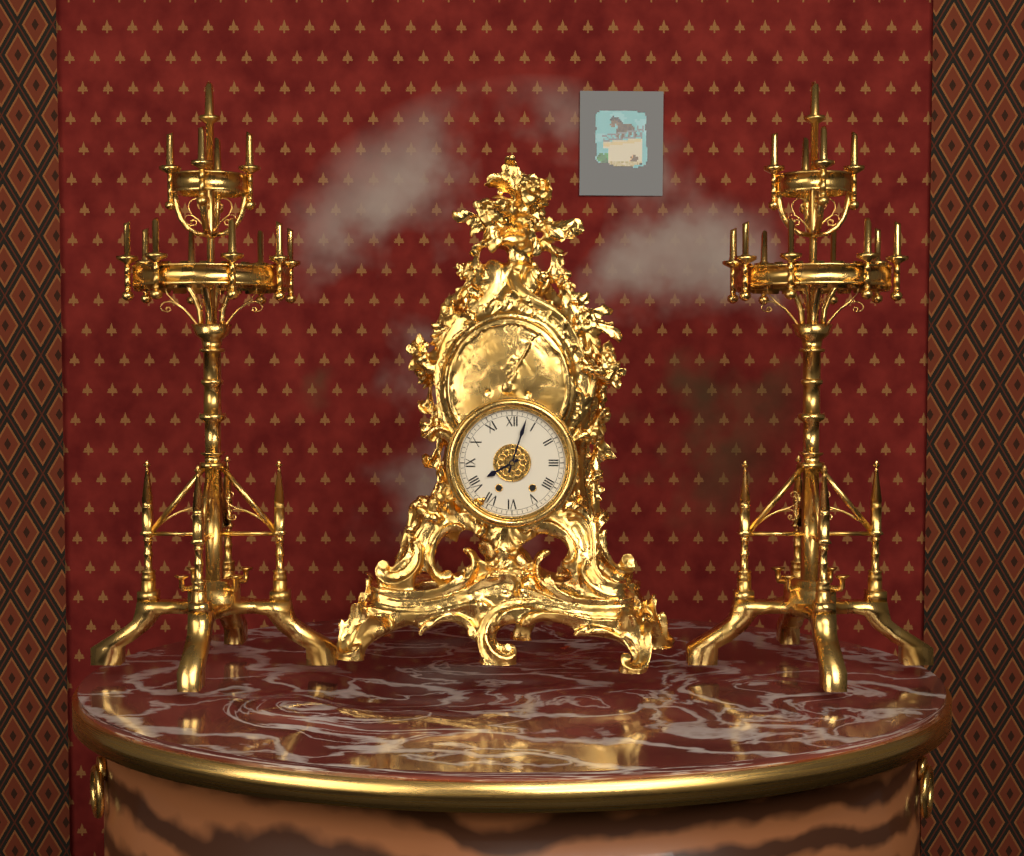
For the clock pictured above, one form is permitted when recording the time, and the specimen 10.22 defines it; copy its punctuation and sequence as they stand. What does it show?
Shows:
8.03
